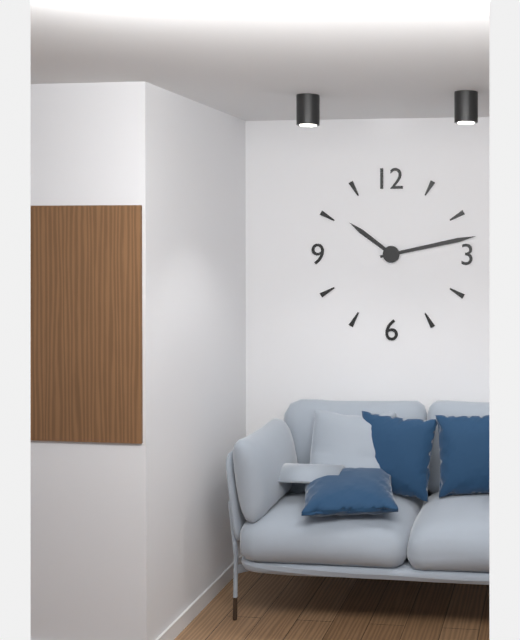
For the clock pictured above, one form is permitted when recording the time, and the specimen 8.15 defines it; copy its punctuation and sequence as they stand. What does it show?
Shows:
10.13
